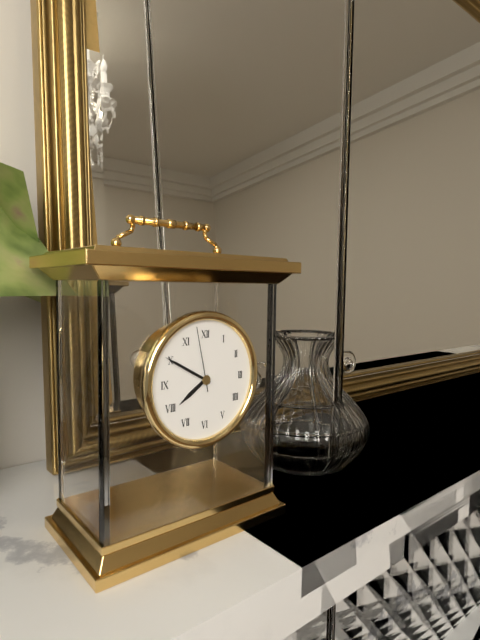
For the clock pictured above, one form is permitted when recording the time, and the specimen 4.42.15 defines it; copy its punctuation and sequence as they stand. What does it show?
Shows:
7.50.58
